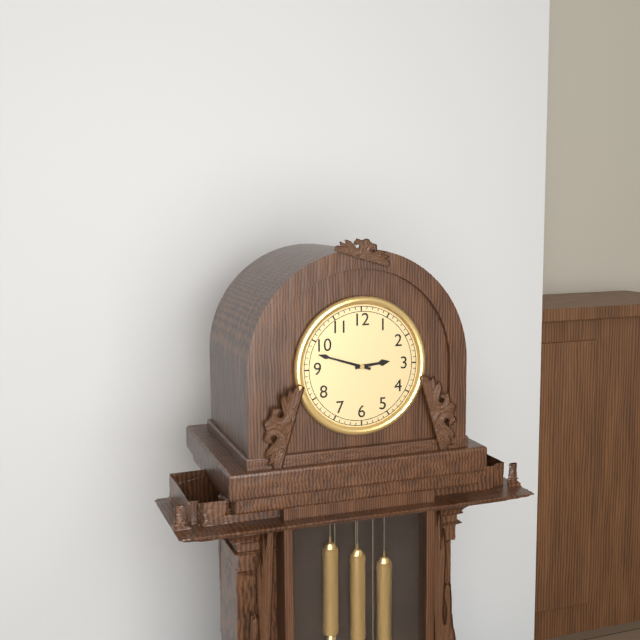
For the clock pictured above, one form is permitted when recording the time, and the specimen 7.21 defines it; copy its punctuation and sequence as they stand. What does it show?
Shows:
2.48
